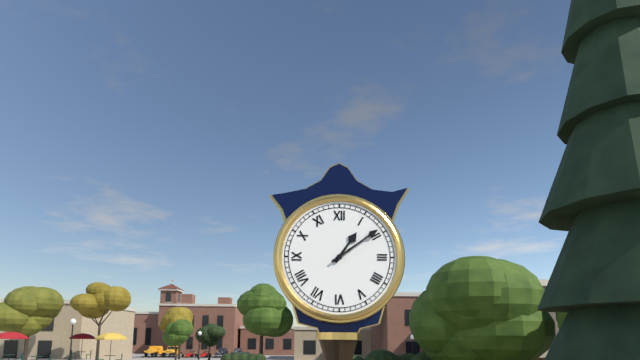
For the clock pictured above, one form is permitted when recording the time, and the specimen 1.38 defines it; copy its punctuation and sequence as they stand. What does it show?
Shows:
1.09
